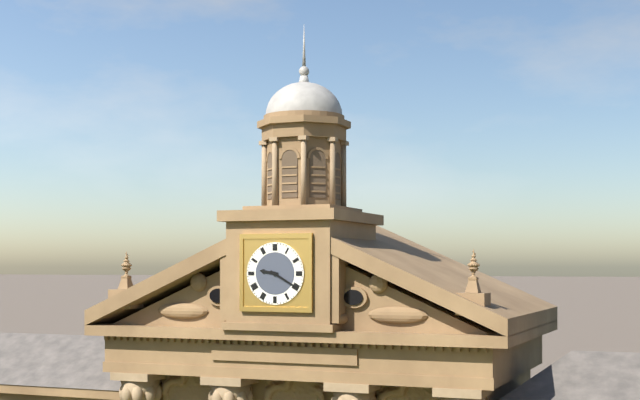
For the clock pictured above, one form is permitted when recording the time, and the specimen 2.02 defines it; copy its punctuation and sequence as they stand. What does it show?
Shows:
9.20
